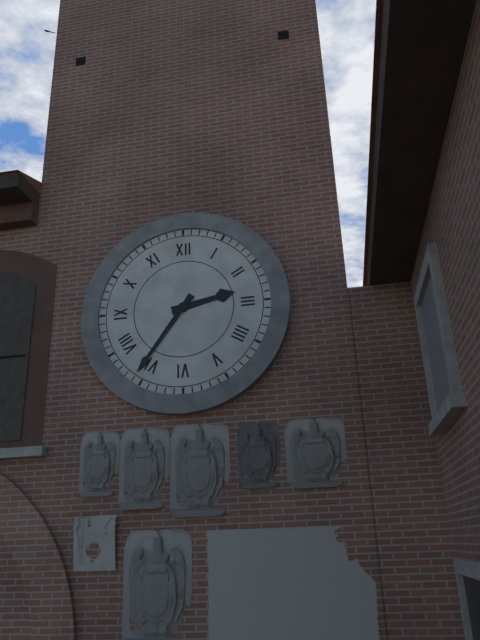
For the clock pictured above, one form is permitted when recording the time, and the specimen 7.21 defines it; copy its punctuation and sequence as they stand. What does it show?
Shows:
2.36
